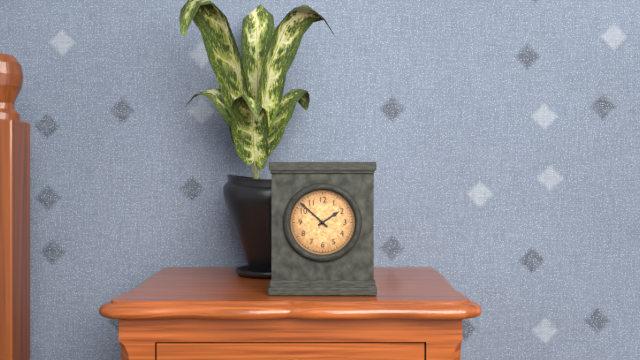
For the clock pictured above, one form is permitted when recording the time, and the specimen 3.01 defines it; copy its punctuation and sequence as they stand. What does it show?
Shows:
1.52
